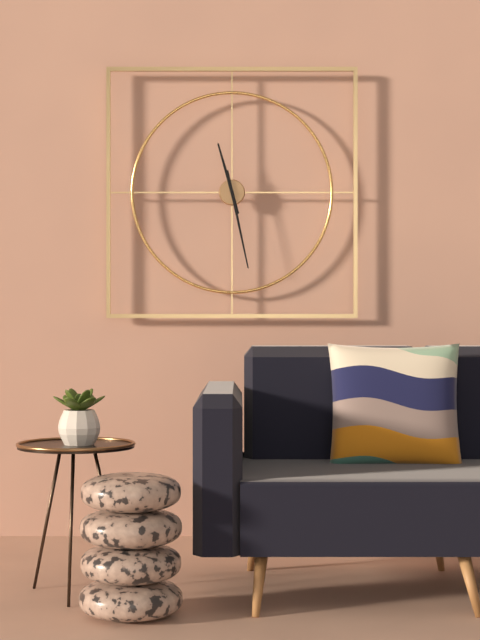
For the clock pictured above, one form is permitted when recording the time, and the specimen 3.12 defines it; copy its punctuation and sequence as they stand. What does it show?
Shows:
11.28
